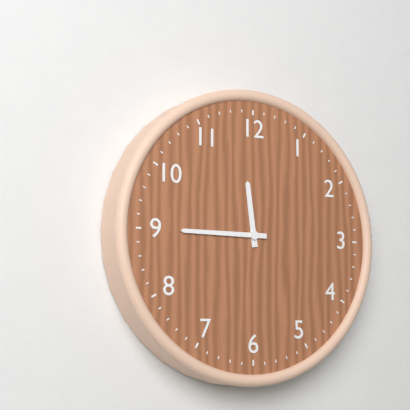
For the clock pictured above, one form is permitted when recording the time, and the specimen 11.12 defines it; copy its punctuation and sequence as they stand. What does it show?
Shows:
11.45
